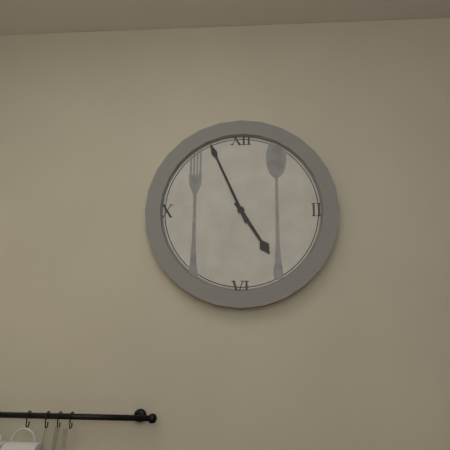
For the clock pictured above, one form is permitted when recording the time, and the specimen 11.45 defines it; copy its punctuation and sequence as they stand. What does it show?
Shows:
4.56
